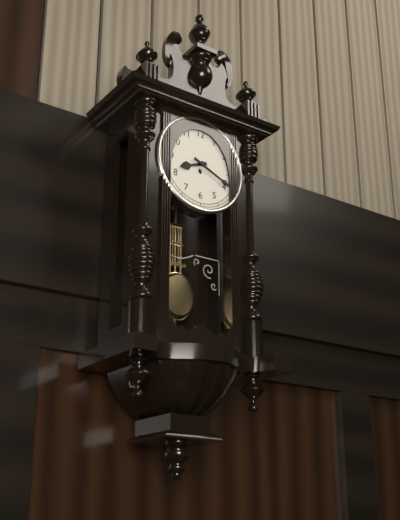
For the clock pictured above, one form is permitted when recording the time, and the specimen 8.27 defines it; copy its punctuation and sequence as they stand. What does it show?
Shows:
8.19
